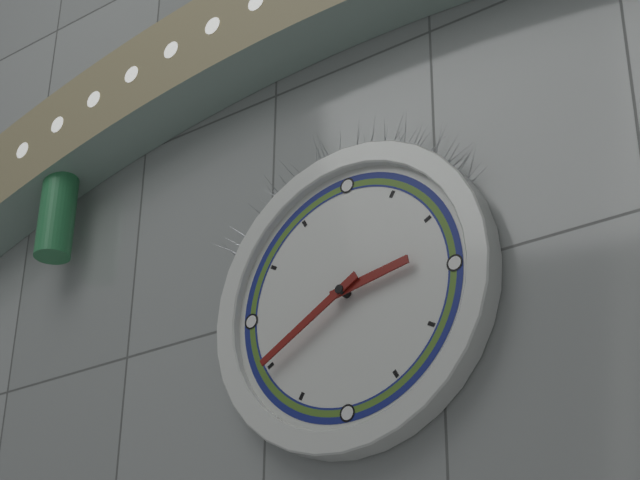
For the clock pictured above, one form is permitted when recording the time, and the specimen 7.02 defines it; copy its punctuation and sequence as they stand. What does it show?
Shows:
2.40
